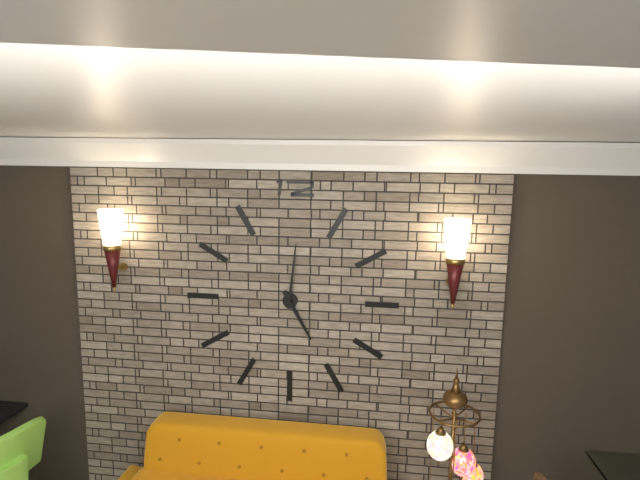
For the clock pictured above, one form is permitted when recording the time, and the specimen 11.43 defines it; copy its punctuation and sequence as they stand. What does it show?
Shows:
5.01
